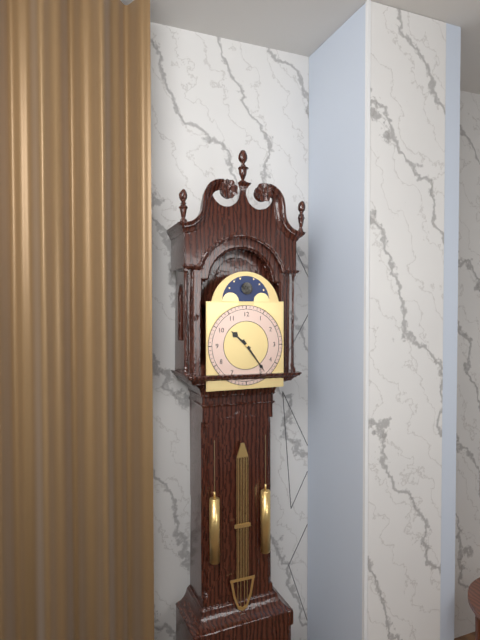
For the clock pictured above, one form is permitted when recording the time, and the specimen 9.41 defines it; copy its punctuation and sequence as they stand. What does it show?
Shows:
10.24
